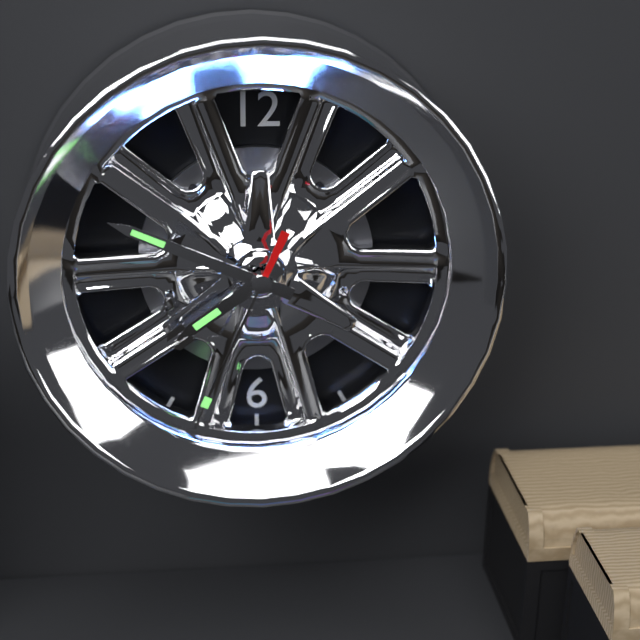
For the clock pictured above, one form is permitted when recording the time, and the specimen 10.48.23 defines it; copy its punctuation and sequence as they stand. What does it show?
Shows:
7.49.34
